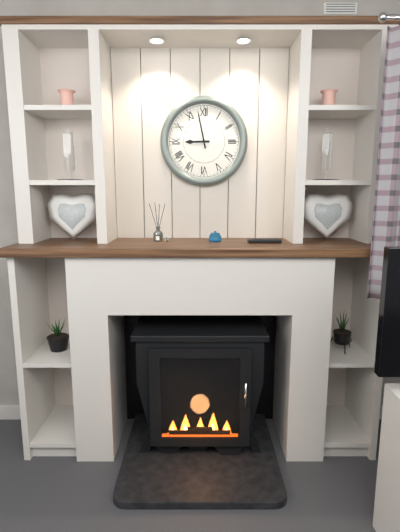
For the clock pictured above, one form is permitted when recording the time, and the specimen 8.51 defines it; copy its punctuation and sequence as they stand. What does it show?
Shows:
8.58
